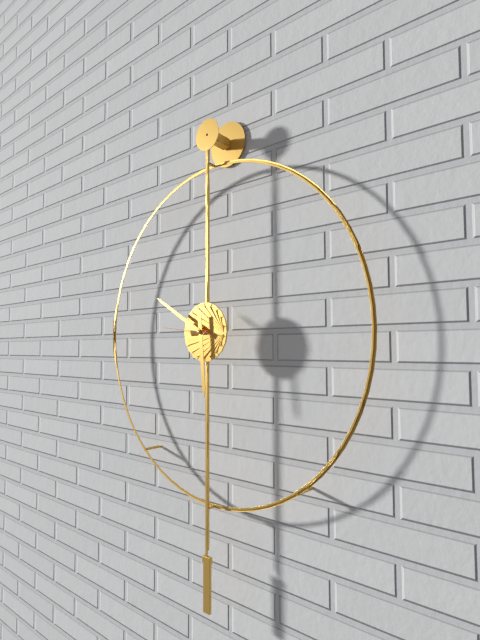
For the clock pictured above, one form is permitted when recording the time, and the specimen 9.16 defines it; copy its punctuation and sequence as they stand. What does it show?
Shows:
5.50
